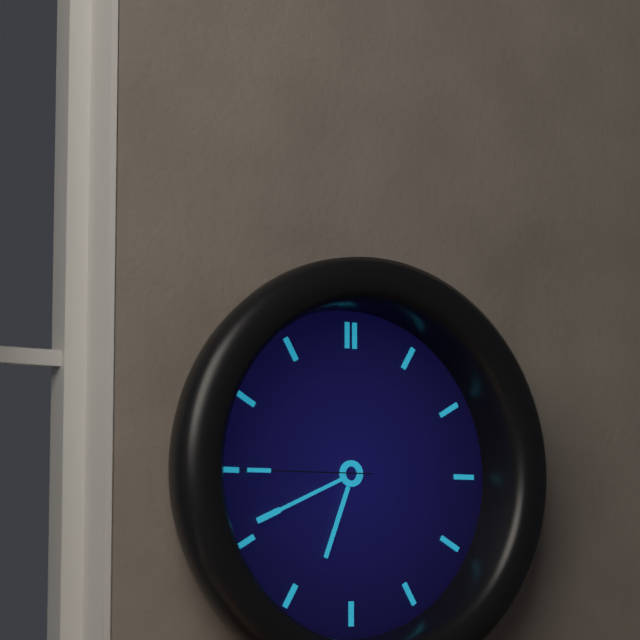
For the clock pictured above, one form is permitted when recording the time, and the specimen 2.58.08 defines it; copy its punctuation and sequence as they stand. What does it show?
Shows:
6.41.45
